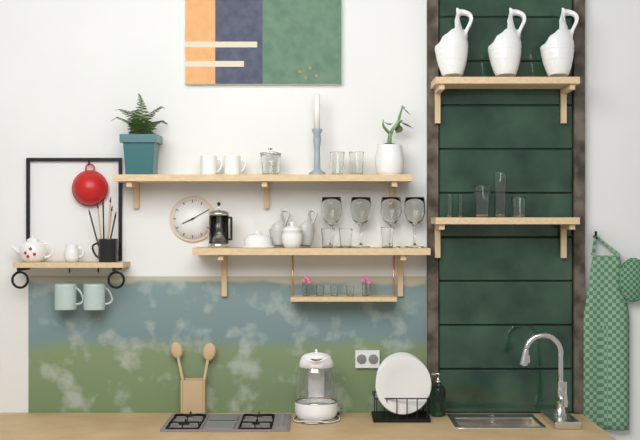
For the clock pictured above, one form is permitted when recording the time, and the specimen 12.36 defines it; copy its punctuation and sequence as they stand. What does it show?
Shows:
8.10
